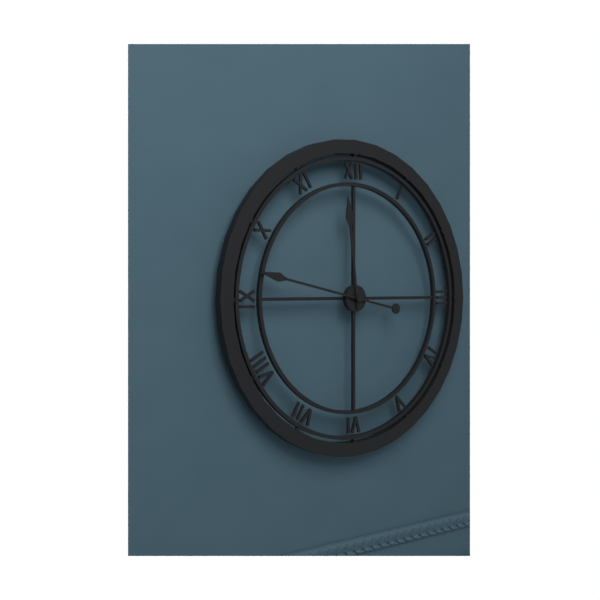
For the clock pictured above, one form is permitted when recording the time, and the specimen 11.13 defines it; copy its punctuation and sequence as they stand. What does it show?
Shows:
11.47
